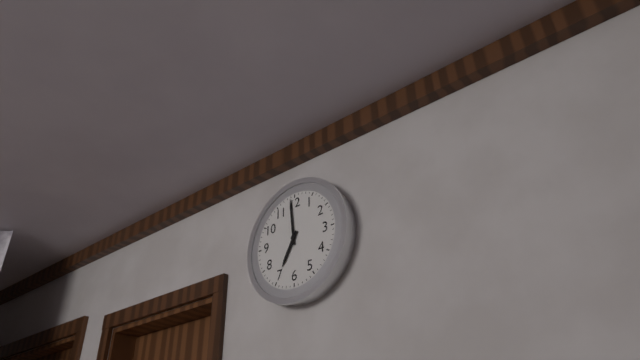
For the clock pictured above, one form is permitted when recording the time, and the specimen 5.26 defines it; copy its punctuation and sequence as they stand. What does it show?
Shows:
6.59
